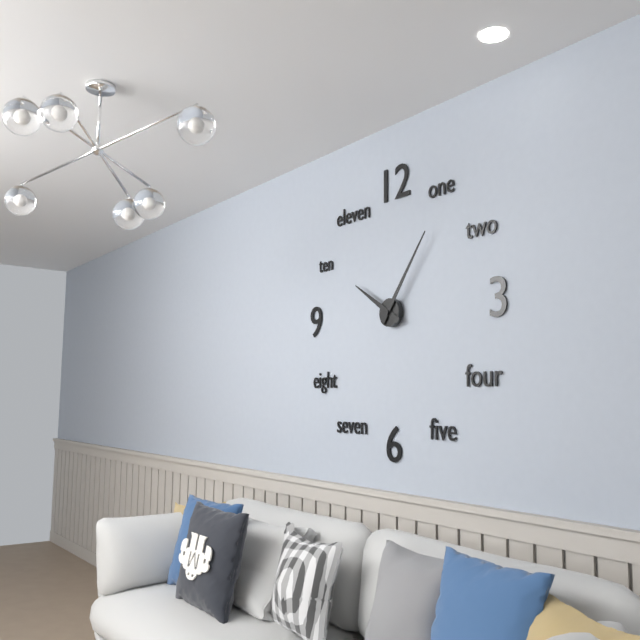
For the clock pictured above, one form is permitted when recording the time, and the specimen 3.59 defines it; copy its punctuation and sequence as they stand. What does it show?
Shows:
10.06
